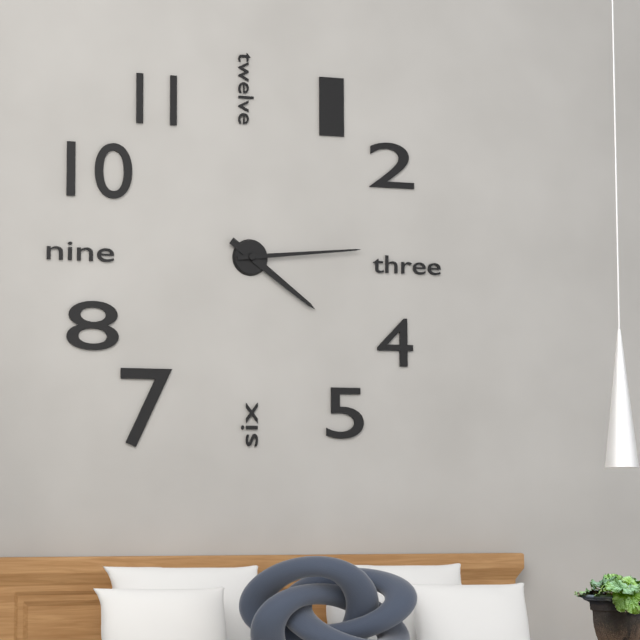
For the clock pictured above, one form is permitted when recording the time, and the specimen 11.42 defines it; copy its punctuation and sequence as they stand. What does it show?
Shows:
4.14
